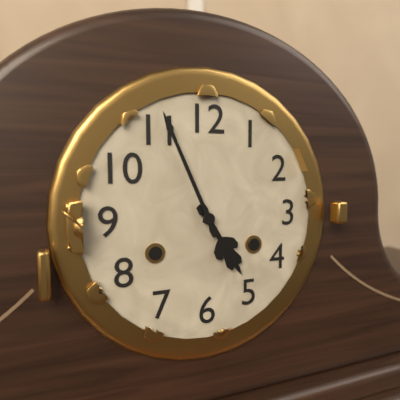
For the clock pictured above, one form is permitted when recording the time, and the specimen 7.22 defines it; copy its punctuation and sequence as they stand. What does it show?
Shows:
4.56
